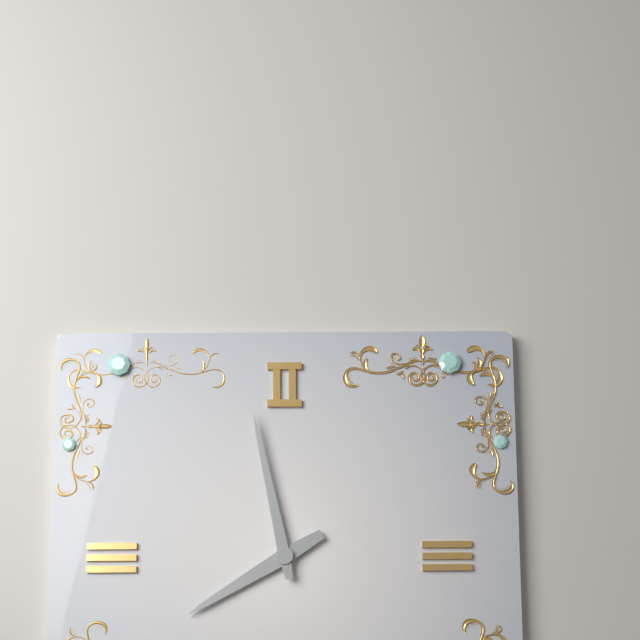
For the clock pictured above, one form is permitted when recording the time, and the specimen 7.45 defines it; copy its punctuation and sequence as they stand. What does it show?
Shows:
7.58
